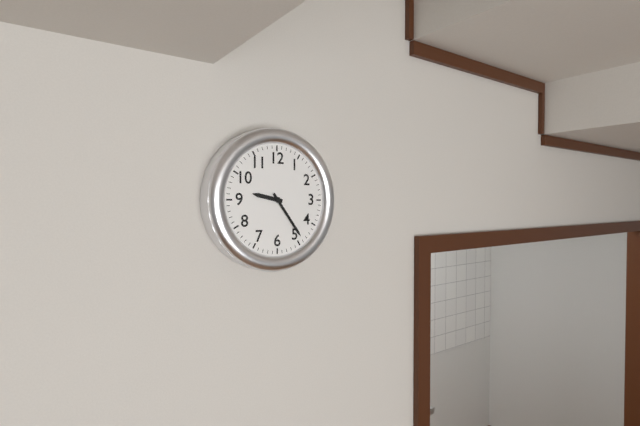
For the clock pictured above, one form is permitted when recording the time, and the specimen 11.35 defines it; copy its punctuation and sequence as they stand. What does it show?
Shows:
9.24
